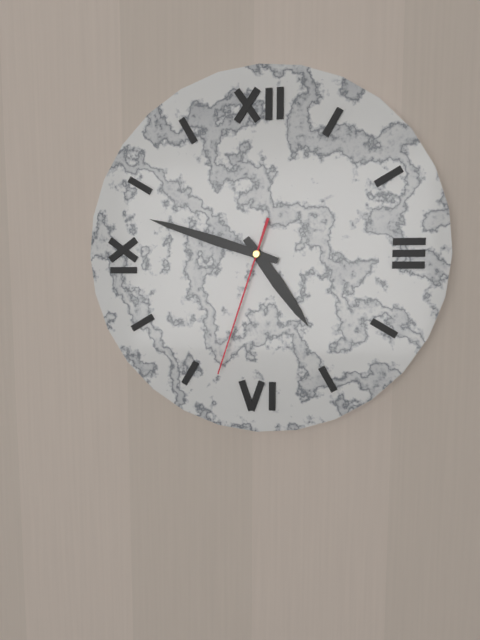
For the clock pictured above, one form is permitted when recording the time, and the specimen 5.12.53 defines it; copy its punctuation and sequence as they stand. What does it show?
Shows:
4.48.33
